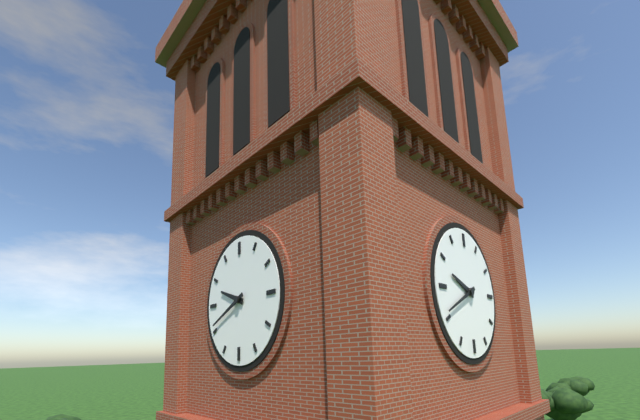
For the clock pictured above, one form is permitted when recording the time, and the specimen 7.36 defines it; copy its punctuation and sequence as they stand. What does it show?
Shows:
9.41
